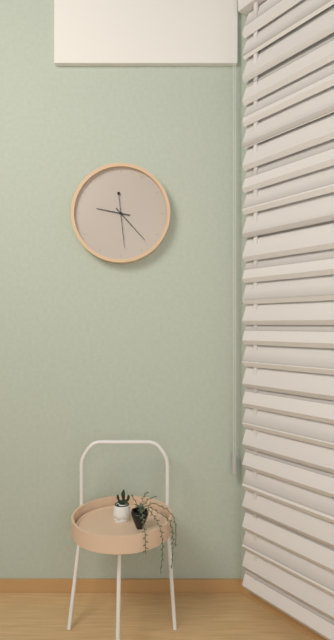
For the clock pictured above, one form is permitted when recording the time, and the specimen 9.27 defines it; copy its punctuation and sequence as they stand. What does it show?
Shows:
9.23
